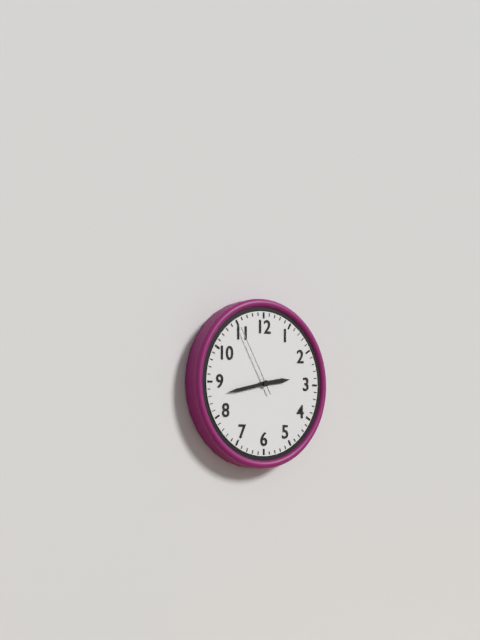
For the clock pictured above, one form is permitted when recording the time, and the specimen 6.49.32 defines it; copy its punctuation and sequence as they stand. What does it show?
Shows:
2.43.55
